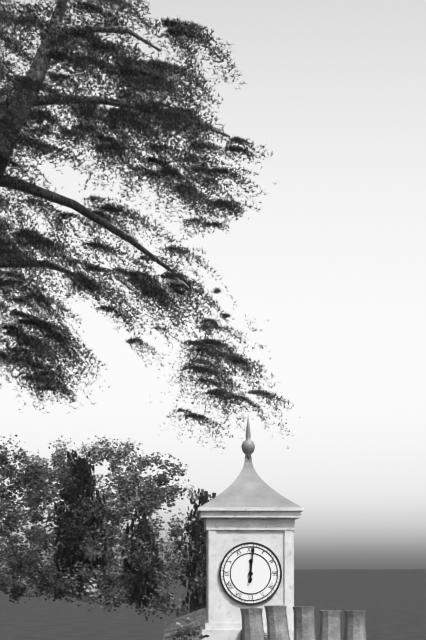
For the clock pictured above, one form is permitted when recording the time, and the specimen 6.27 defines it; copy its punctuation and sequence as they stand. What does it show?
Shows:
12.01
